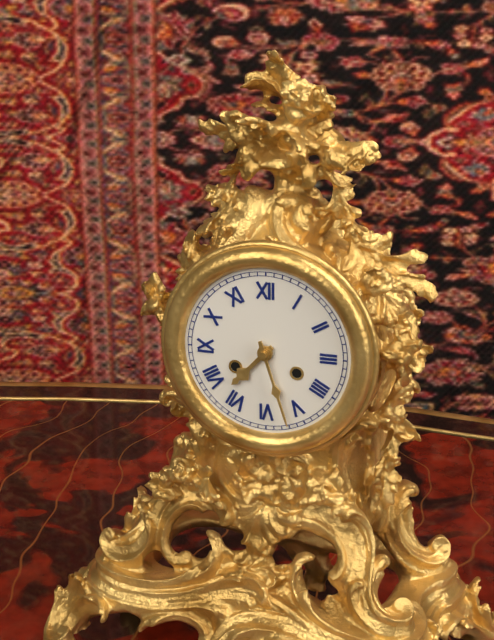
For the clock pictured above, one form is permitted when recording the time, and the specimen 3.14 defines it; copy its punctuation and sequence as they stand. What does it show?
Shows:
7.27
